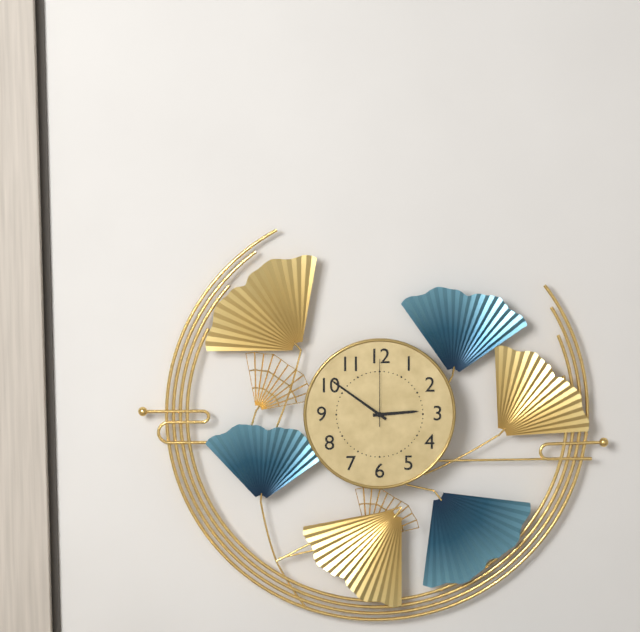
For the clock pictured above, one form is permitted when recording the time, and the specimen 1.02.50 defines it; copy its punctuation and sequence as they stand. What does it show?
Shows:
2.51.00
